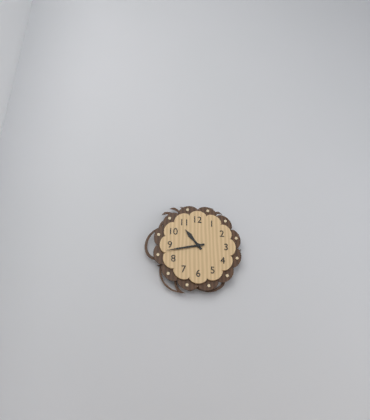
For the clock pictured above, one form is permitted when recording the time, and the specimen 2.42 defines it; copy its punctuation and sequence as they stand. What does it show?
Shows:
10.43
